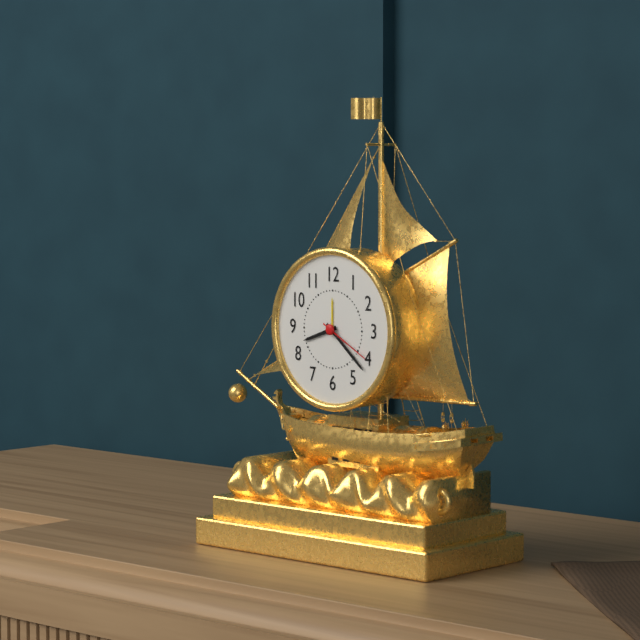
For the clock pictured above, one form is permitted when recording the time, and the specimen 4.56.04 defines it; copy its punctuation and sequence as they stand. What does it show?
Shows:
8.22.20
